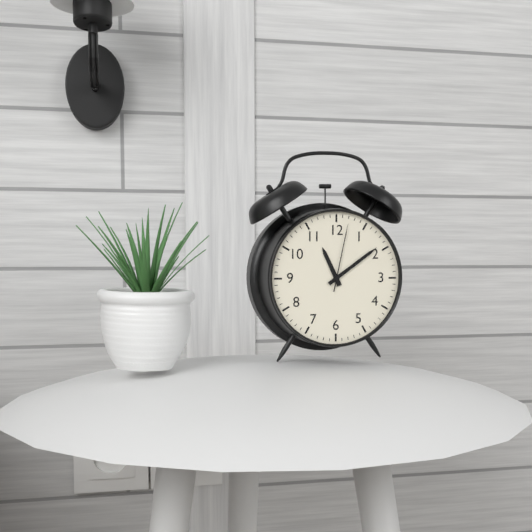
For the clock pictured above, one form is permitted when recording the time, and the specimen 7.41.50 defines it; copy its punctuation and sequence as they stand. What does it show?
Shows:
11.09.02
